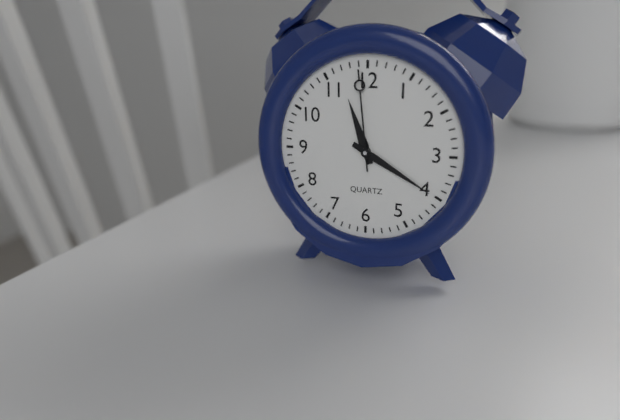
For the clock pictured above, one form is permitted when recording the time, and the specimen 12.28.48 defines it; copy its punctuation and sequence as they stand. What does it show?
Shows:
11.20.59
